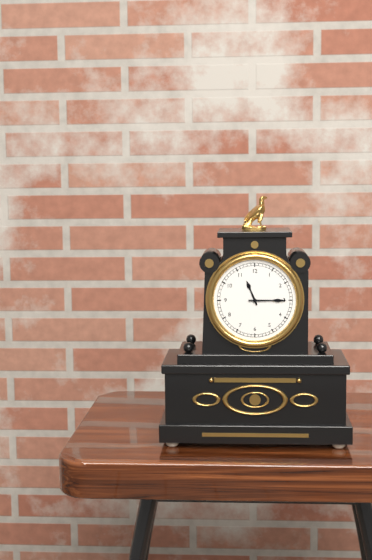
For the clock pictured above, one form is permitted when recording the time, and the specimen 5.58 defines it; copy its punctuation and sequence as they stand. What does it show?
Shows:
11.15
